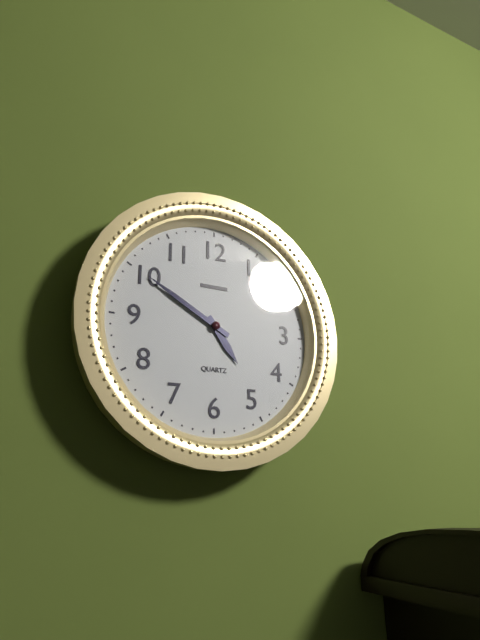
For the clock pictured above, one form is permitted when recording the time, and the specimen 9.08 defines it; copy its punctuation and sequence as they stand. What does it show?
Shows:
4.50
